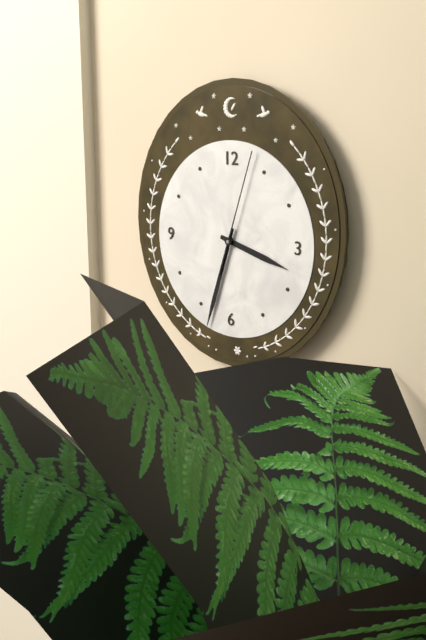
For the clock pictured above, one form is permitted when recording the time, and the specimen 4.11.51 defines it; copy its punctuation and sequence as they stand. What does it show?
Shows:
3.33.03
